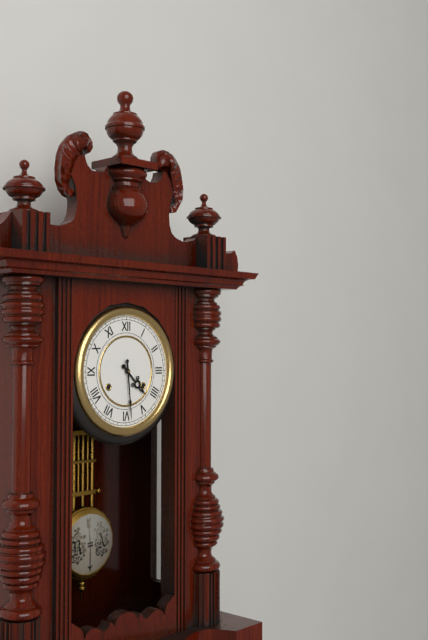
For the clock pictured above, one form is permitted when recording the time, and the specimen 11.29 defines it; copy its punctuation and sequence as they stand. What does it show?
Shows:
4.29
